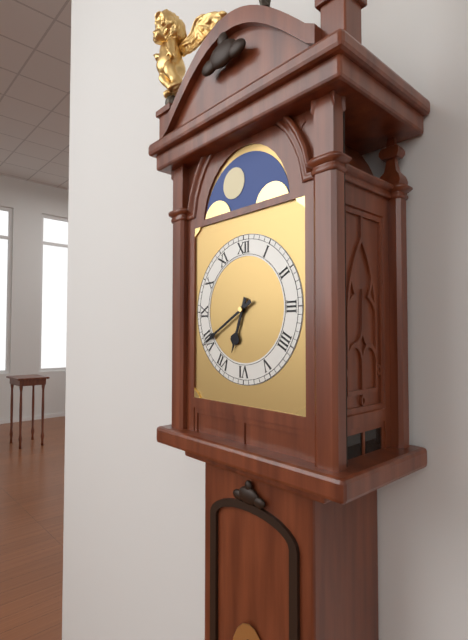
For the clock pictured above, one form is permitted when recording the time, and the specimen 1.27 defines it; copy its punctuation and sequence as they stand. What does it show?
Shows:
6.40
